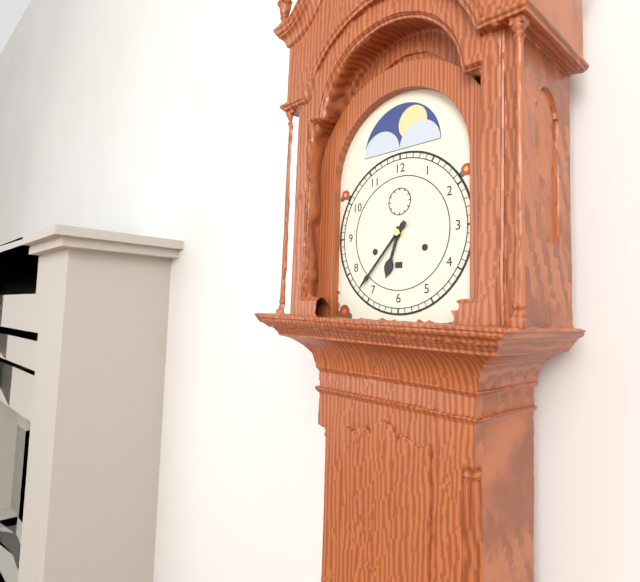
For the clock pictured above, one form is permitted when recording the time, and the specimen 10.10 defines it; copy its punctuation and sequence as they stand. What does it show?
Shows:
6.37
